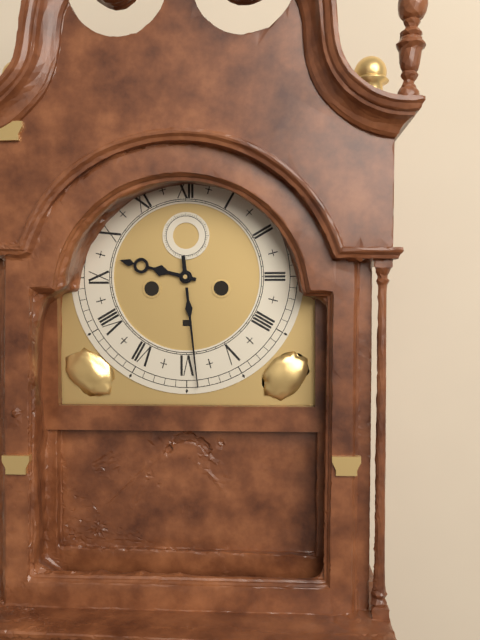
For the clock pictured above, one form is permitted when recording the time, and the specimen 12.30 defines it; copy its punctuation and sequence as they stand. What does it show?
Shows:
9.29
